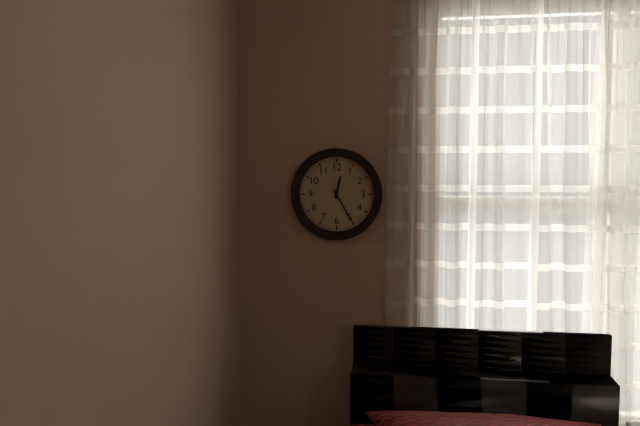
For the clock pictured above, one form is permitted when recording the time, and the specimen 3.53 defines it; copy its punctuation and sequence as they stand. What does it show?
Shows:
12.25
